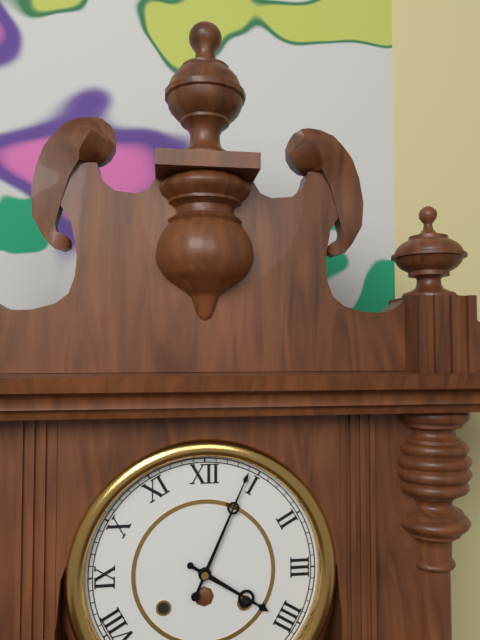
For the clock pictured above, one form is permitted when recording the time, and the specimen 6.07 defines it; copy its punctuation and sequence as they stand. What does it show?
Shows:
4.04
